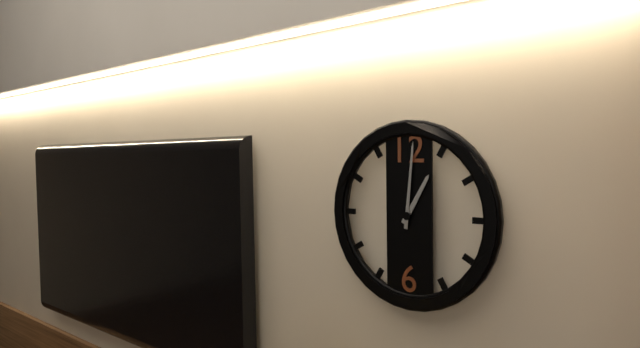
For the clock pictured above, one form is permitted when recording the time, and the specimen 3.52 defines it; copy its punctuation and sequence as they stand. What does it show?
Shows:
1.01
